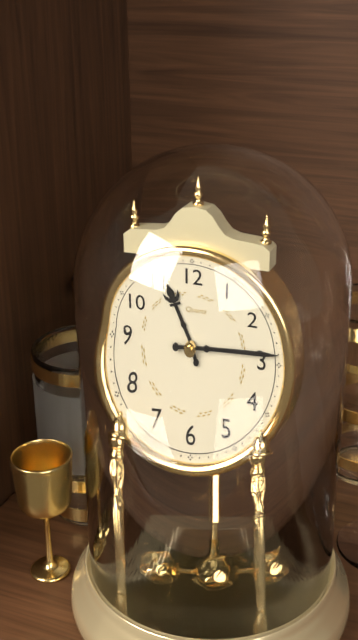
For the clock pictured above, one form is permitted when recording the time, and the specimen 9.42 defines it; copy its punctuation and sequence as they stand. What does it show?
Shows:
11.14
